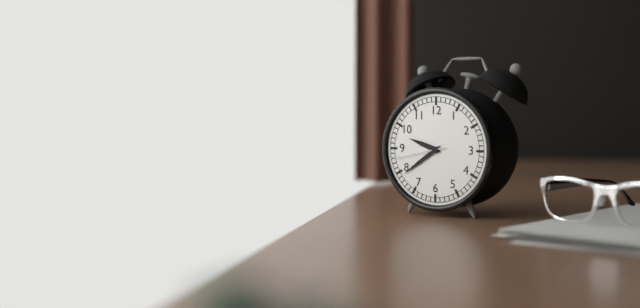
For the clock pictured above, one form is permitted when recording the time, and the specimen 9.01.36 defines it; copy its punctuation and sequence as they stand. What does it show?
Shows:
9.39.43
